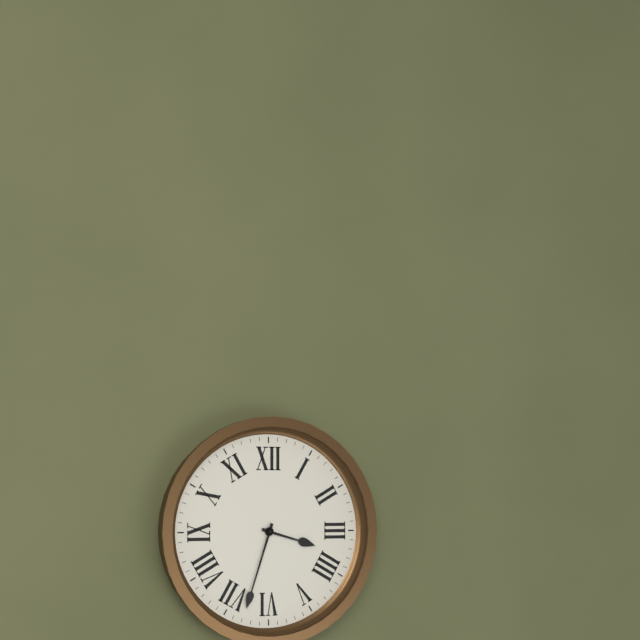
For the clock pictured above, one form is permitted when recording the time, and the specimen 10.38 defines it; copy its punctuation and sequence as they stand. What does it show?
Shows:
3.33
